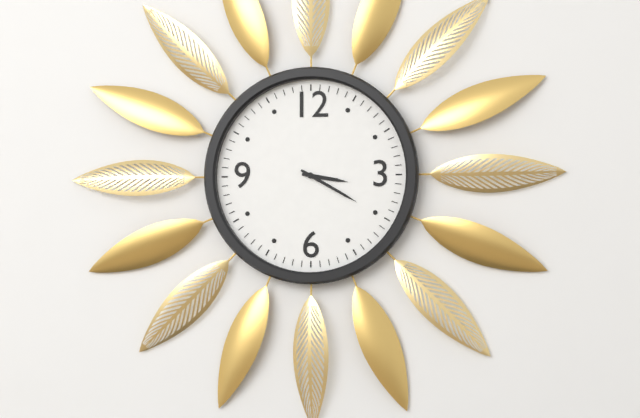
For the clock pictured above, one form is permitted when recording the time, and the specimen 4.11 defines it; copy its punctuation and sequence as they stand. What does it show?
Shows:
3.20
